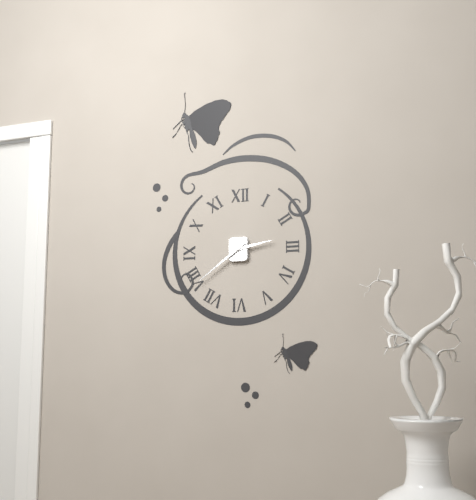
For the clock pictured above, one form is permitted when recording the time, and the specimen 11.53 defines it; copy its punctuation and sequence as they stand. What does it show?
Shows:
2.39
